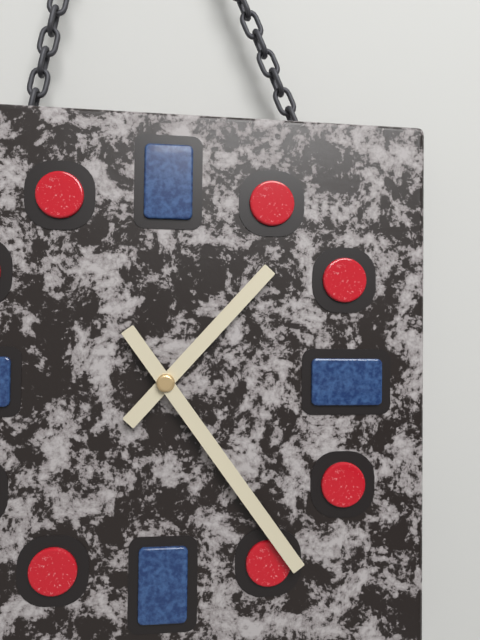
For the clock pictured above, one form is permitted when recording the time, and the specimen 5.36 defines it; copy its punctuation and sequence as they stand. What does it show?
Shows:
1.24
